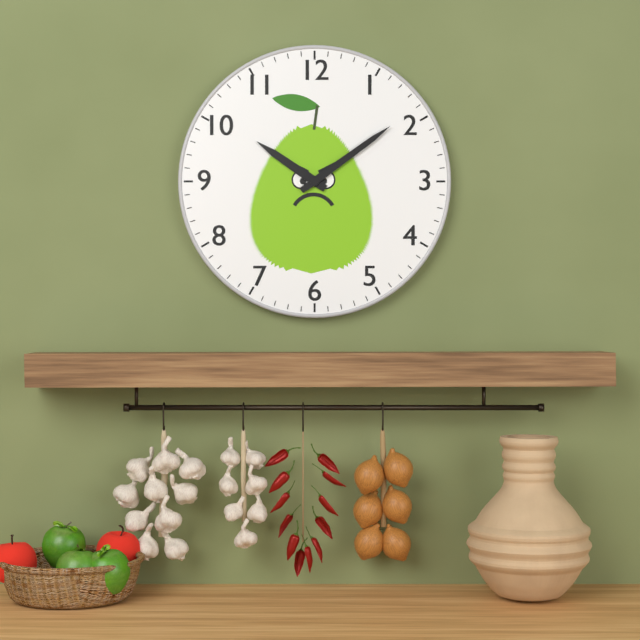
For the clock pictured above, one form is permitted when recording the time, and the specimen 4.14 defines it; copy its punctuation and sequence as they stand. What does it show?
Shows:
10.09
